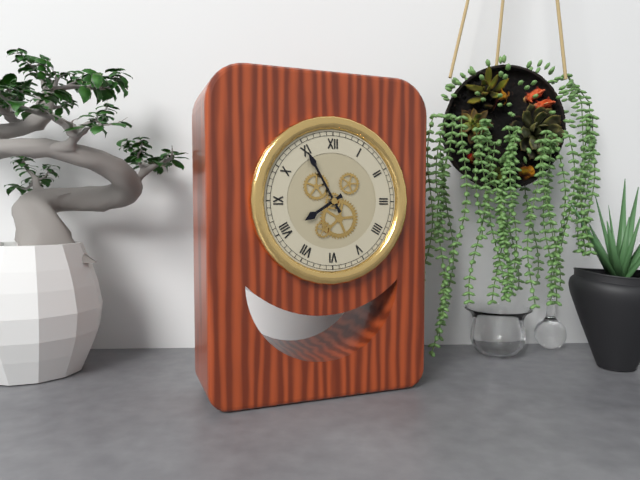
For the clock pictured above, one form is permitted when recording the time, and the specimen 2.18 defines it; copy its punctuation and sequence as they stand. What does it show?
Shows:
7.55
